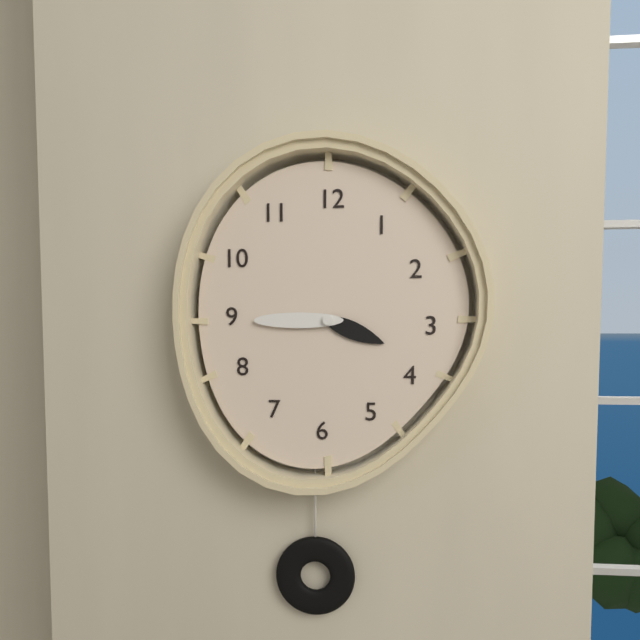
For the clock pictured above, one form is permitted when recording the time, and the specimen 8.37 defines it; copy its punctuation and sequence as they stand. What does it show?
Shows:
3.45
